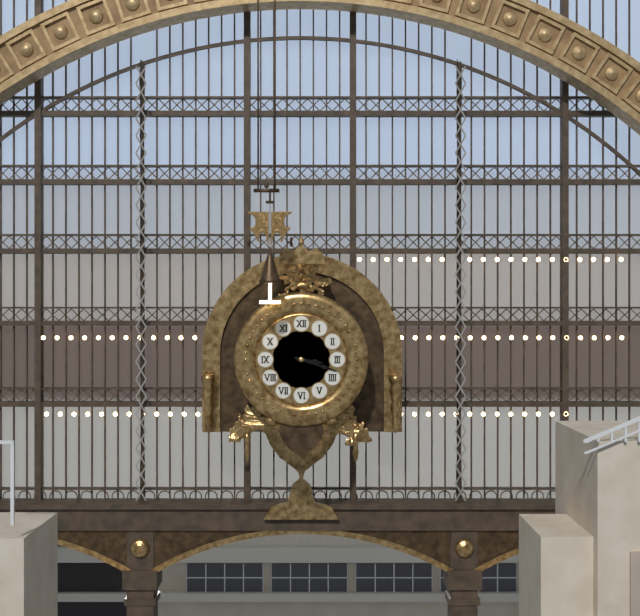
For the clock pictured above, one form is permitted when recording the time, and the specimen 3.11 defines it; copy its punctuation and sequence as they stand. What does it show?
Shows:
3.18
